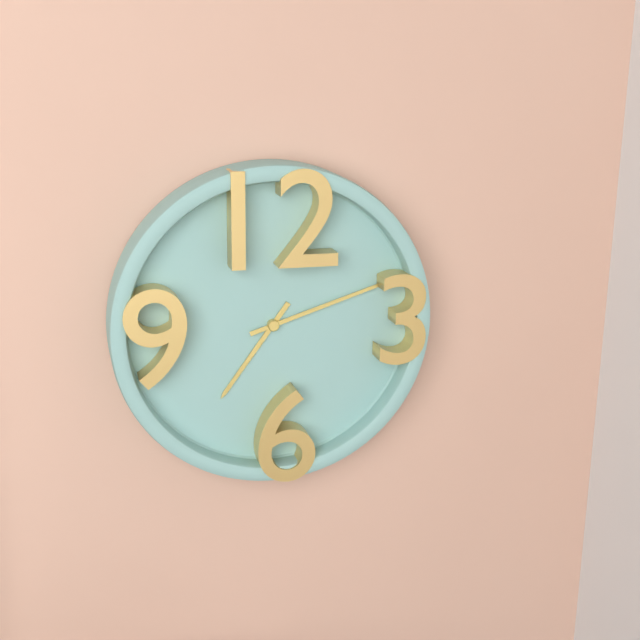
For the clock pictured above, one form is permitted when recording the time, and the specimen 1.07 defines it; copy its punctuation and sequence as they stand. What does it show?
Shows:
7.12
